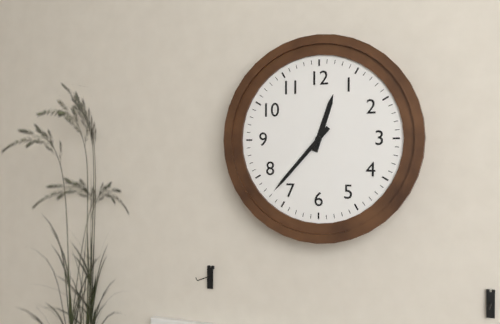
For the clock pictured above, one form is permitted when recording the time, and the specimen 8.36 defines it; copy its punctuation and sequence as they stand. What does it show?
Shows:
12.37
